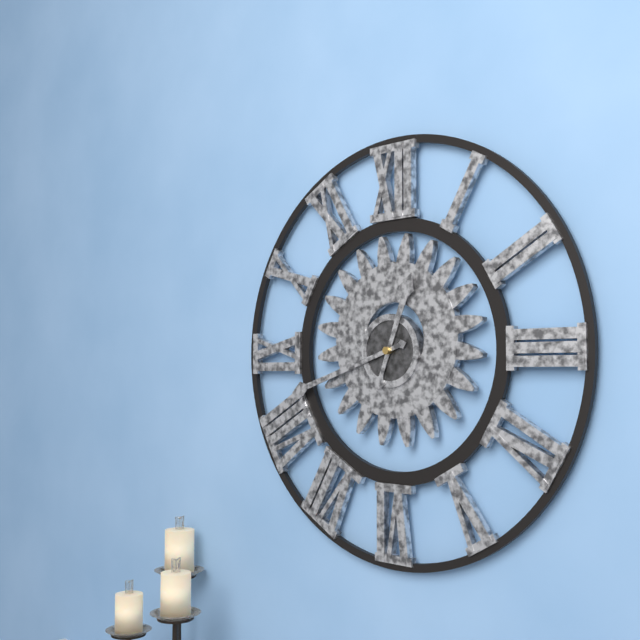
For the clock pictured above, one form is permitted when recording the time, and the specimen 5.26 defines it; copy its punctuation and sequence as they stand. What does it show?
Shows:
12.42
